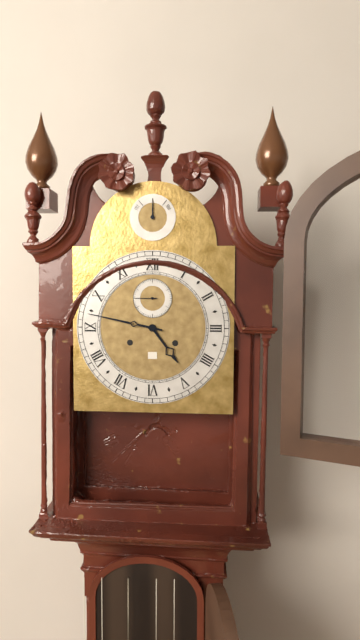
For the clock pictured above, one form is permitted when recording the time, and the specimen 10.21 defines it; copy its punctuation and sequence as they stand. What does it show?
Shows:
4.47
